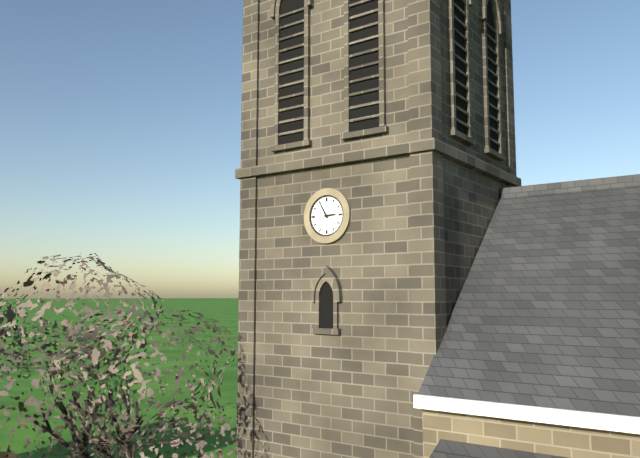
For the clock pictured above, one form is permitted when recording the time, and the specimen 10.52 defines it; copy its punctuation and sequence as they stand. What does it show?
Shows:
2.55
